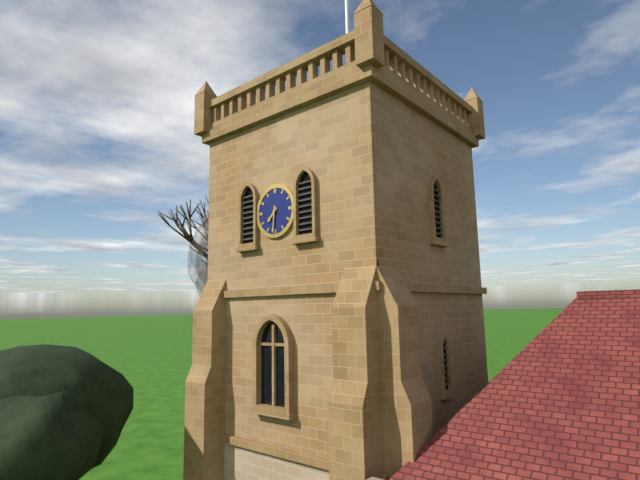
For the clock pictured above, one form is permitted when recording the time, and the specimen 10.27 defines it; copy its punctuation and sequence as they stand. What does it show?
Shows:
7.31
